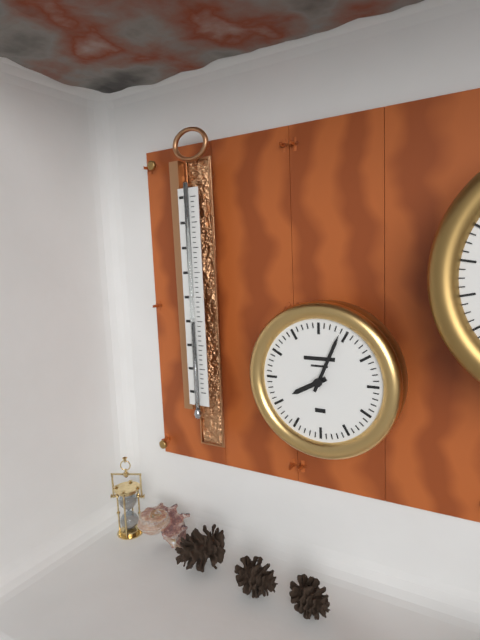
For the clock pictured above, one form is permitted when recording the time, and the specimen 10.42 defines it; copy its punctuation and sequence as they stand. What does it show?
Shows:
8.04
